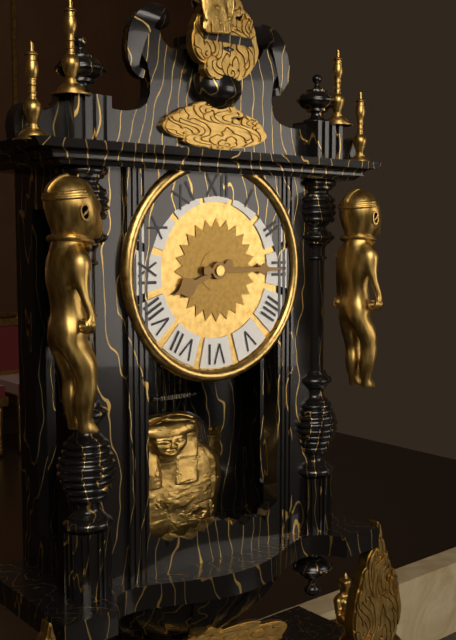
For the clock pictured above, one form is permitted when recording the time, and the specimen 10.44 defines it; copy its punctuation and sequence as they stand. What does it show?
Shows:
8.15
